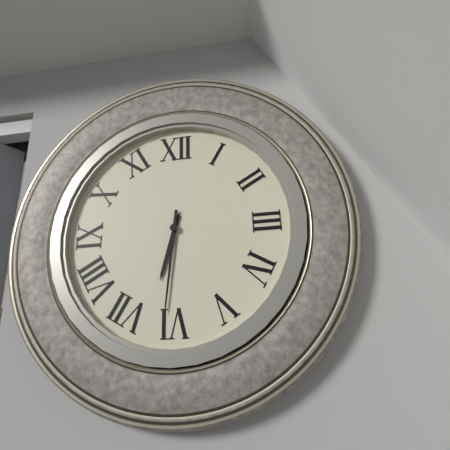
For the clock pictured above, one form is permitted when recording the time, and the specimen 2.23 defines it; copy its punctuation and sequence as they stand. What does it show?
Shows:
6.31
